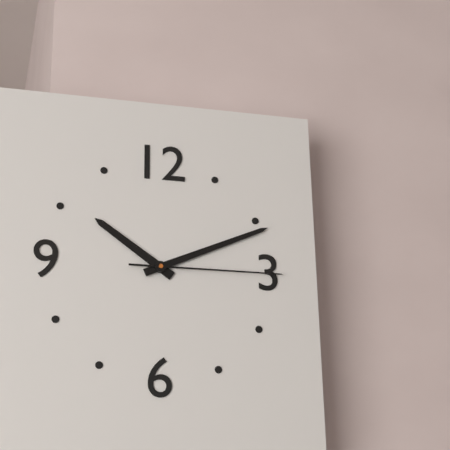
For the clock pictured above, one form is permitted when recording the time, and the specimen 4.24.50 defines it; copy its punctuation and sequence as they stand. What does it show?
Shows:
10.11.15
